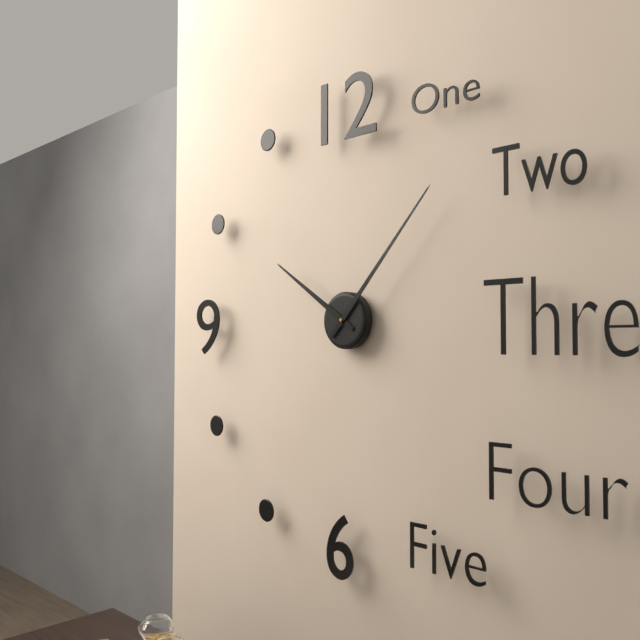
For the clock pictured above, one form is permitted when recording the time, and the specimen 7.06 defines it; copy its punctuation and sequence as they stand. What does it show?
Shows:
10.07
